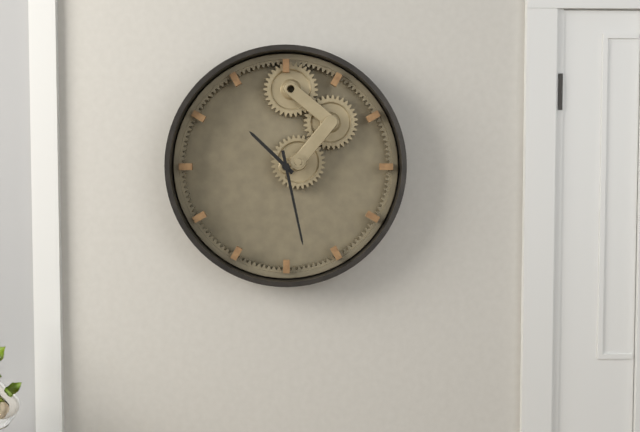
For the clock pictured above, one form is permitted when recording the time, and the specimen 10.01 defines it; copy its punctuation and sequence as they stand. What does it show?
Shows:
10.28
